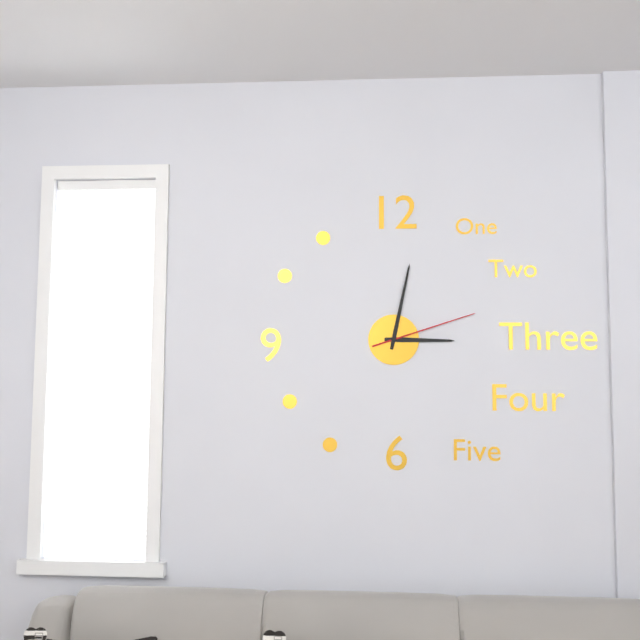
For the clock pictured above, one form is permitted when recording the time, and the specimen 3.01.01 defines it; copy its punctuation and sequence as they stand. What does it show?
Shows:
3.02.12
